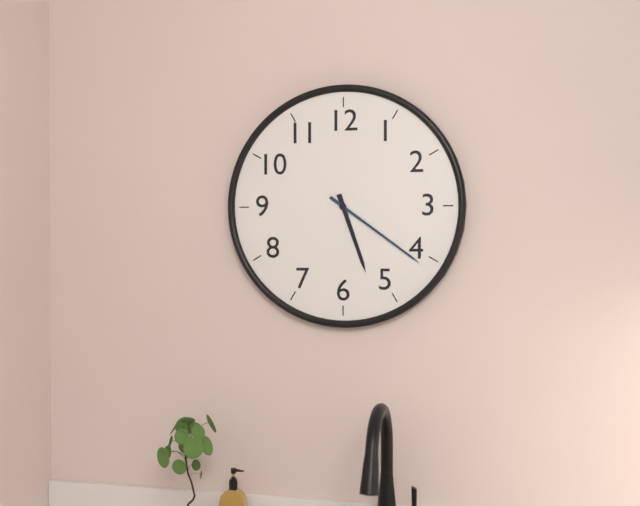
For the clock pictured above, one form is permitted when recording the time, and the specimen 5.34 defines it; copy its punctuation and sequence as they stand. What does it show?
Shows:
5.21
